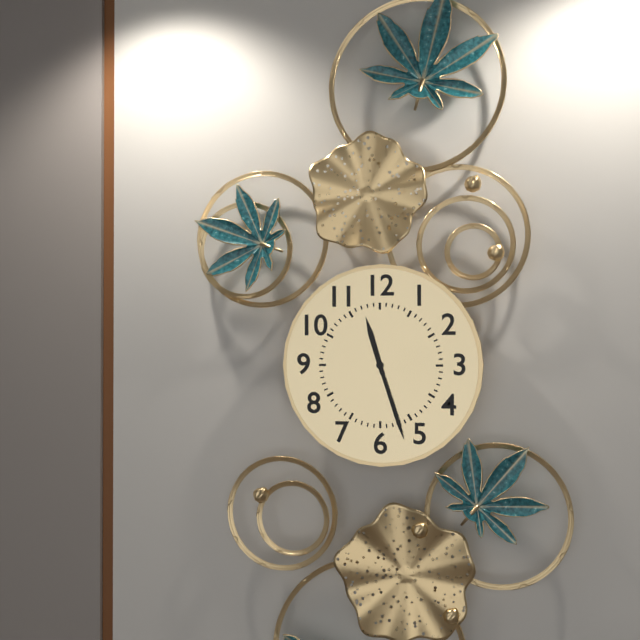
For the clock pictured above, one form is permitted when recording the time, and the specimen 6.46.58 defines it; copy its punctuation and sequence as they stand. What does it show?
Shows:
11.27.27
